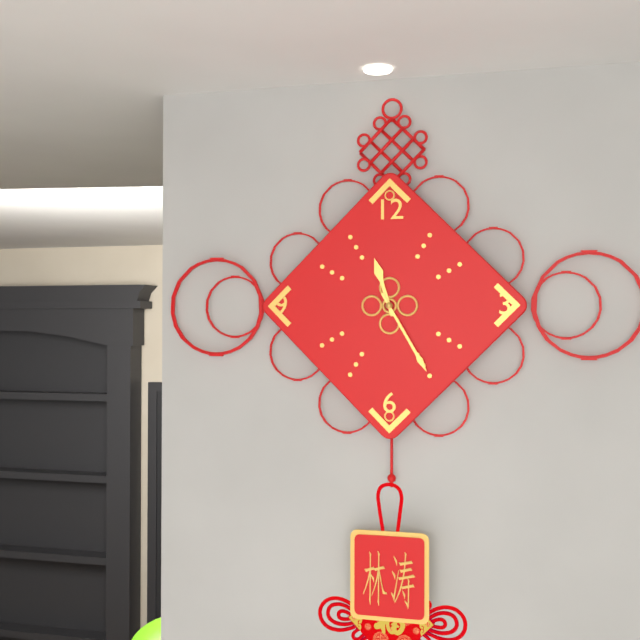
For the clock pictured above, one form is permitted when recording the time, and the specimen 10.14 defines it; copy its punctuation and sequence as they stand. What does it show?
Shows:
11.25
